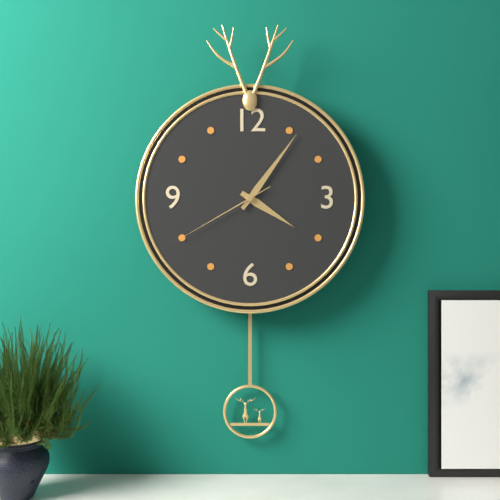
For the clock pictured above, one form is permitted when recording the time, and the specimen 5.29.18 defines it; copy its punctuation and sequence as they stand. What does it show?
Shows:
4.06.40
